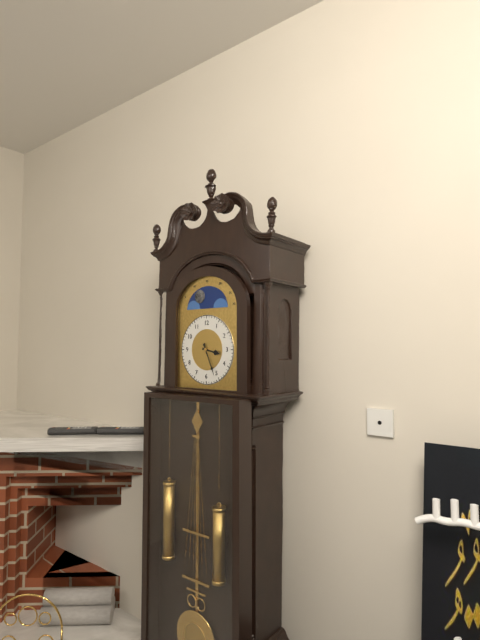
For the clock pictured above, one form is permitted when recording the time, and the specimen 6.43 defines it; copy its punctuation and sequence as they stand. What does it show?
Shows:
3.26
